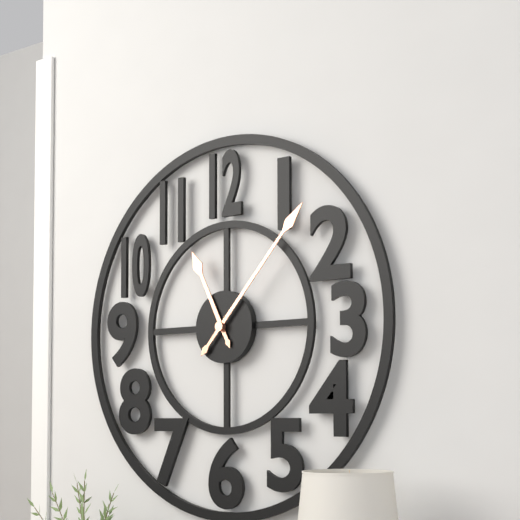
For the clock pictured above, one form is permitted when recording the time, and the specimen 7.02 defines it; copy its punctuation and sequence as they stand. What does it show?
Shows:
11.07
